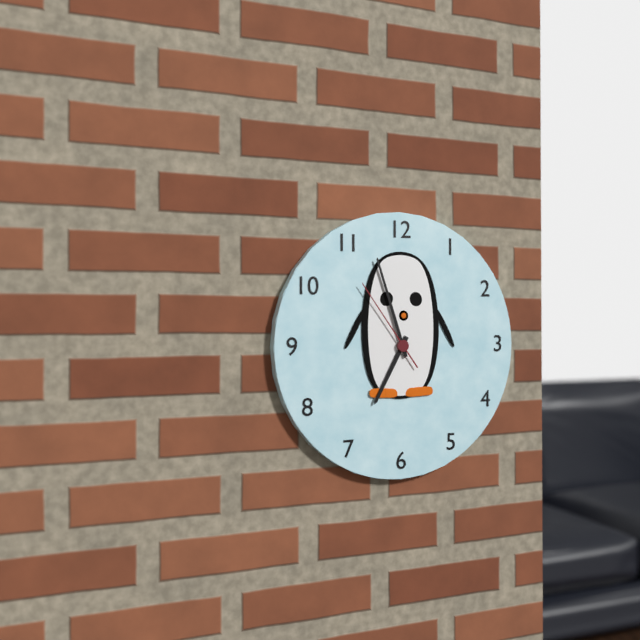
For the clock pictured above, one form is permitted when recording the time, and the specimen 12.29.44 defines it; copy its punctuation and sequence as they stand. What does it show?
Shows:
6.57.54
